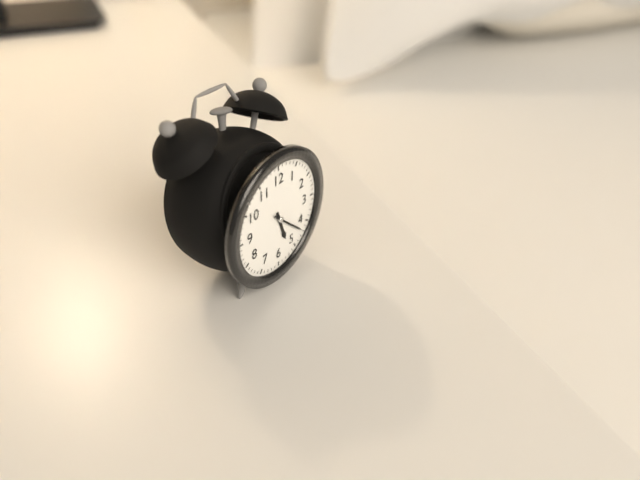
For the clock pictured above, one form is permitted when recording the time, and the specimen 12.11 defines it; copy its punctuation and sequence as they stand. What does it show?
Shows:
5.22
